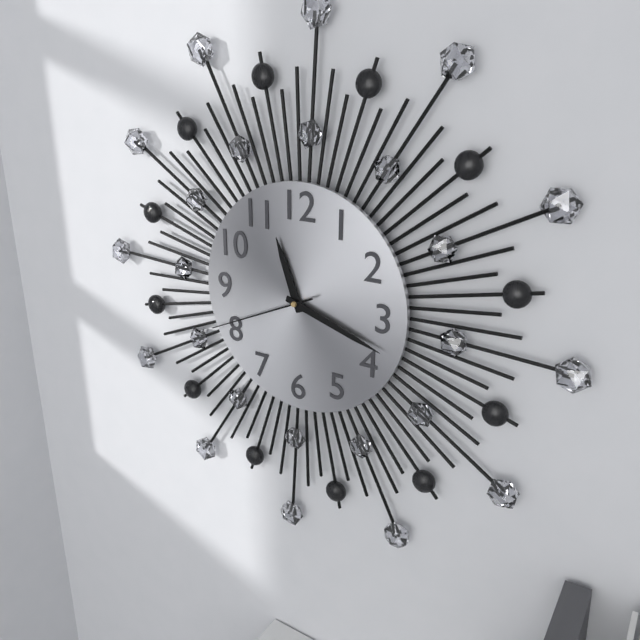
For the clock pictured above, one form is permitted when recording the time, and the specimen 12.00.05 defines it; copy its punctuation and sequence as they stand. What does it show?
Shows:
11.18.41
